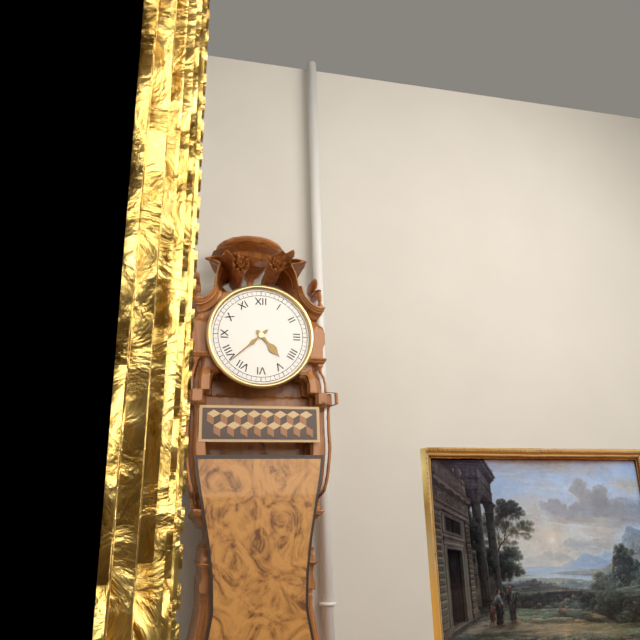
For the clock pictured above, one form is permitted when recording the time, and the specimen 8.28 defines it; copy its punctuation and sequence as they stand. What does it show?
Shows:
4.38
